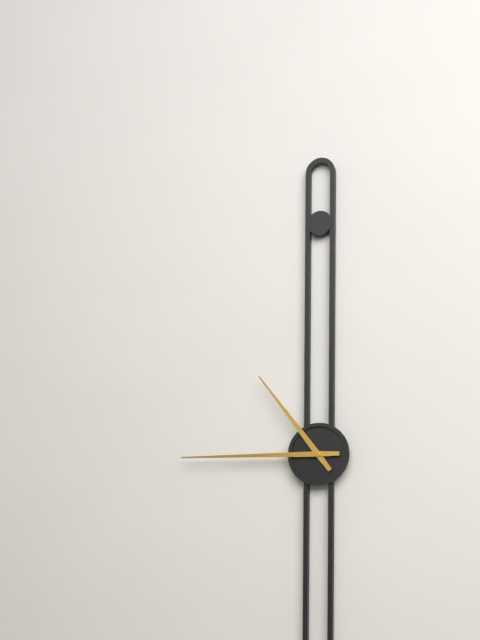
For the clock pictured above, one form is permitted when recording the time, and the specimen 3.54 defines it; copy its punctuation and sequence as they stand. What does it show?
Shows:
10.45
